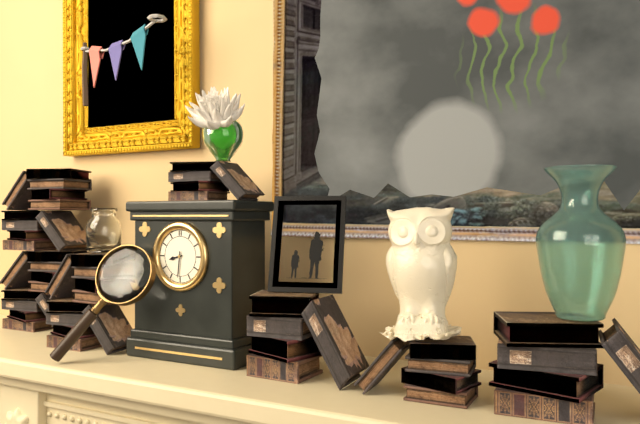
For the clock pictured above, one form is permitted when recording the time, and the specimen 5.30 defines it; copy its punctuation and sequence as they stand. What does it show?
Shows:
8.31
